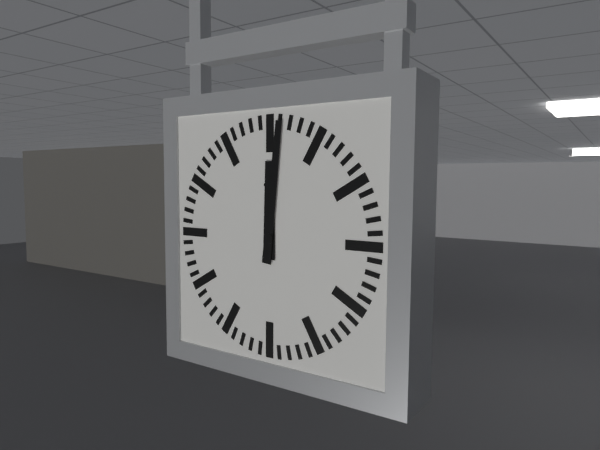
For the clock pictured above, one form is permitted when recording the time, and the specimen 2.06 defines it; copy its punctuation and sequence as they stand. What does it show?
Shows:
12.01
